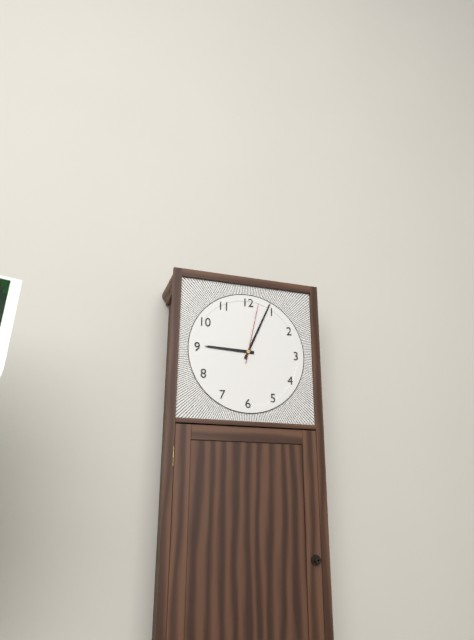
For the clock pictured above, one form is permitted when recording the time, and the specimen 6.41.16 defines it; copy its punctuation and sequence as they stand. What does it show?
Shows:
9.04.02
